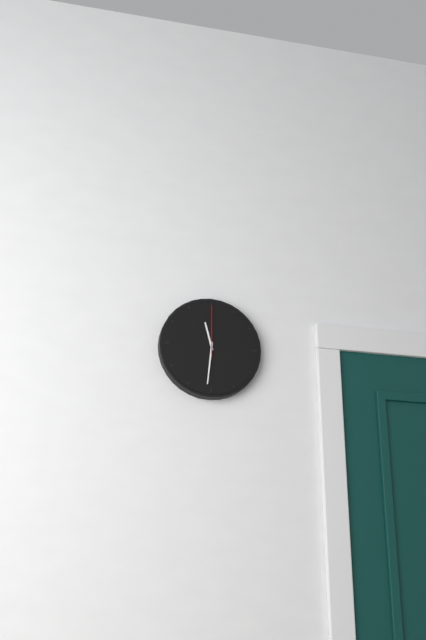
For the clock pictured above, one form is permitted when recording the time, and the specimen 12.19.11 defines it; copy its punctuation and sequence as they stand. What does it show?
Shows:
11.31.00
